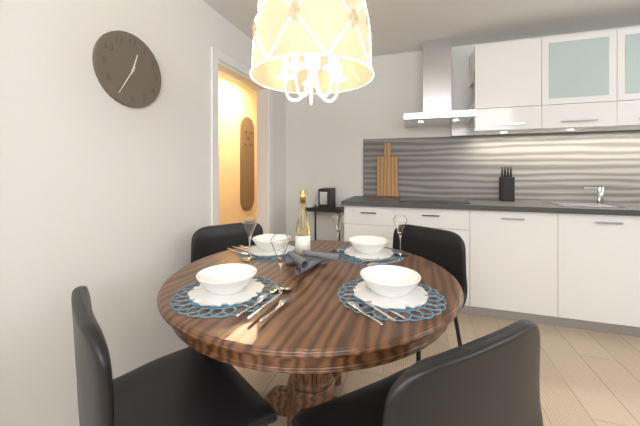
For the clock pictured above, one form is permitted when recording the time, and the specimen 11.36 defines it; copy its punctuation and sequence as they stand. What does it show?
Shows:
12.35
